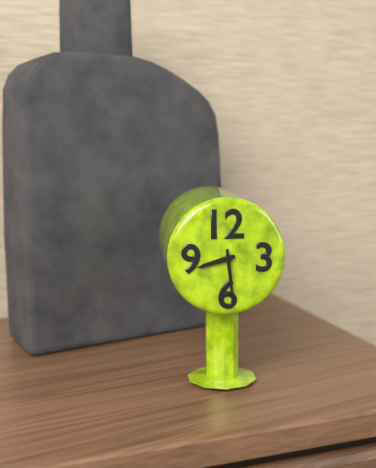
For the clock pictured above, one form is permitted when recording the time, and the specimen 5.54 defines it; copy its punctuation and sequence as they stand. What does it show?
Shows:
8.29
